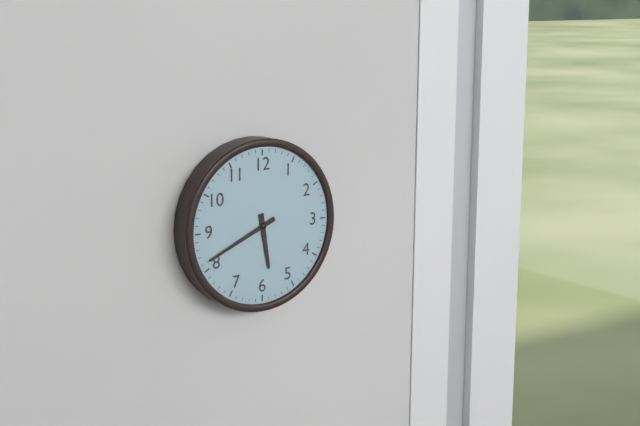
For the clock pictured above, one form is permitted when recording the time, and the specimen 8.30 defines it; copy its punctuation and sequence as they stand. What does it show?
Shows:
5.41
